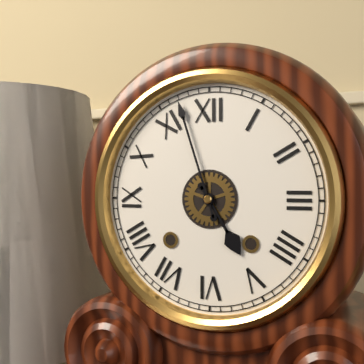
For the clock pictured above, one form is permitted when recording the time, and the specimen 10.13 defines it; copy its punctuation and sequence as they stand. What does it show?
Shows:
4.57
